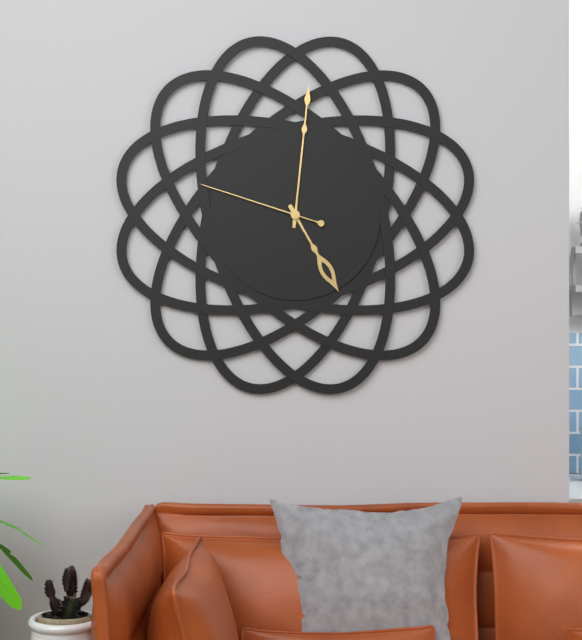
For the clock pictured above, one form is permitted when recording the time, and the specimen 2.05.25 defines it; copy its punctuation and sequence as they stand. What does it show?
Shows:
5.01.48
